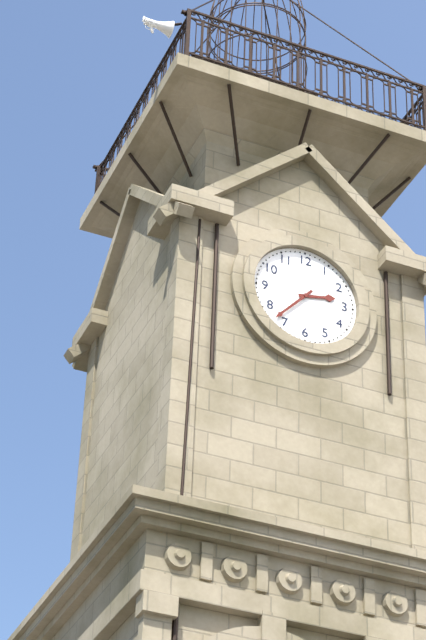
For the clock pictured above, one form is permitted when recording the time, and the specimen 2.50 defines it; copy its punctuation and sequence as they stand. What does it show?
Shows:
2.37
